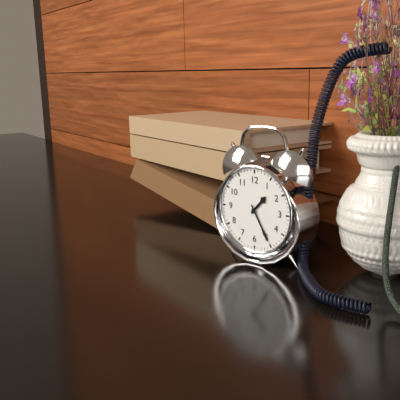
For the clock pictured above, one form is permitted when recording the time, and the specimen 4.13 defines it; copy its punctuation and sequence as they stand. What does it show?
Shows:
1.25
